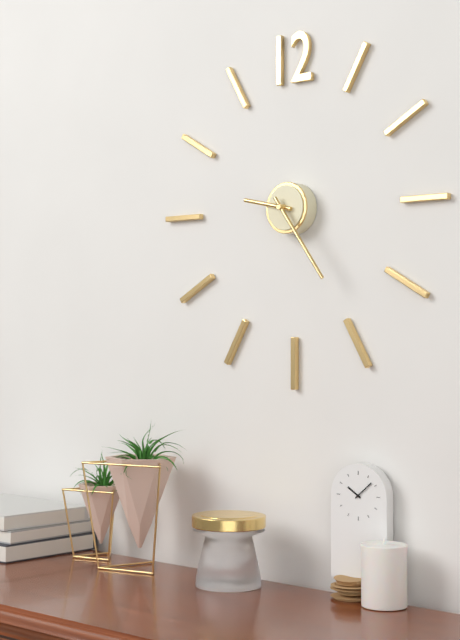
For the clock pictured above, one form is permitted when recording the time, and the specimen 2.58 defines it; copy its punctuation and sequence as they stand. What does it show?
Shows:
9.24
